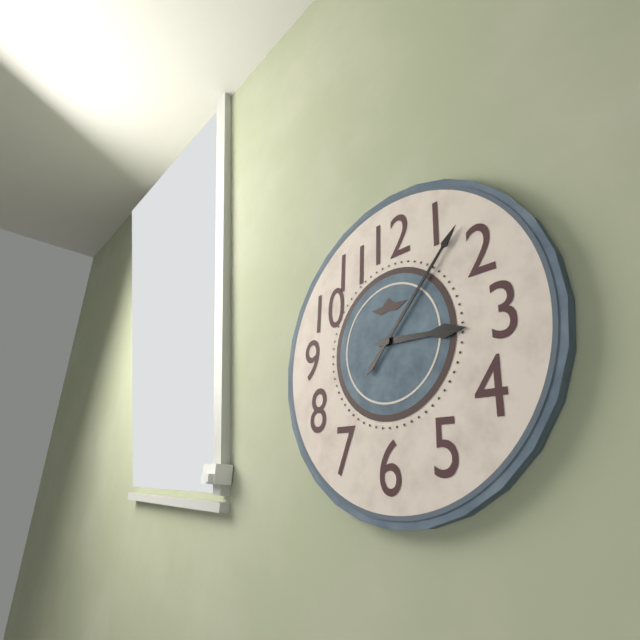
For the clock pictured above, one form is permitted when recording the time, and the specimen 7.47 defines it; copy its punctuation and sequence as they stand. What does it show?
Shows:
3.07
